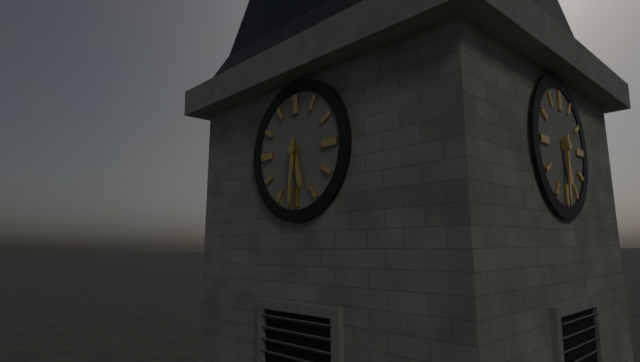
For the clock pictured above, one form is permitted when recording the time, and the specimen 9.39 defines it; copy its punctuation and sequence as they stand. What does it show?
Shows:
5.31
